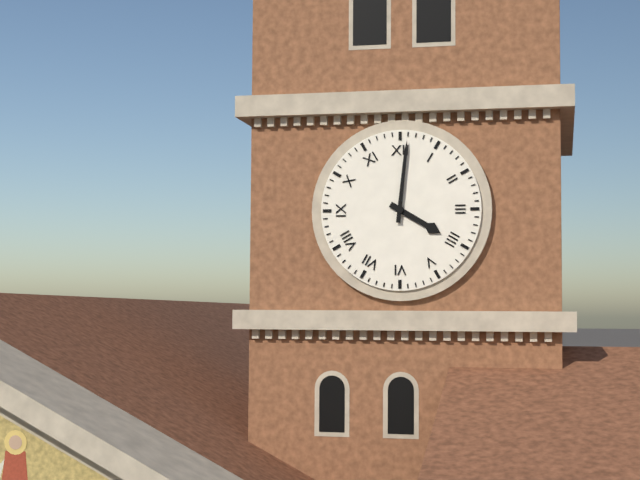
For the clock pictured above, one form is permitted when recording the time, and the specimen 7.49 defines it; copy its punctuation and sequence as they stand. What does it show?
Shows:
4.01
